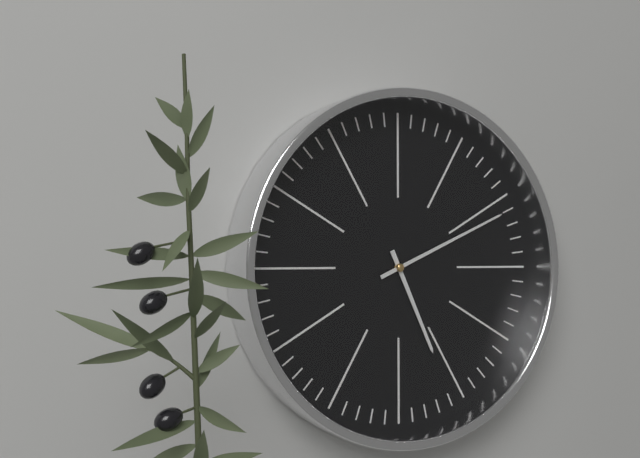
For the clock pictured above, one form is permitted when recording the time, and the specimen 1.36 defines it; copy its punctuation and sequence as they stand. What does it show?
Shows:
5.11
